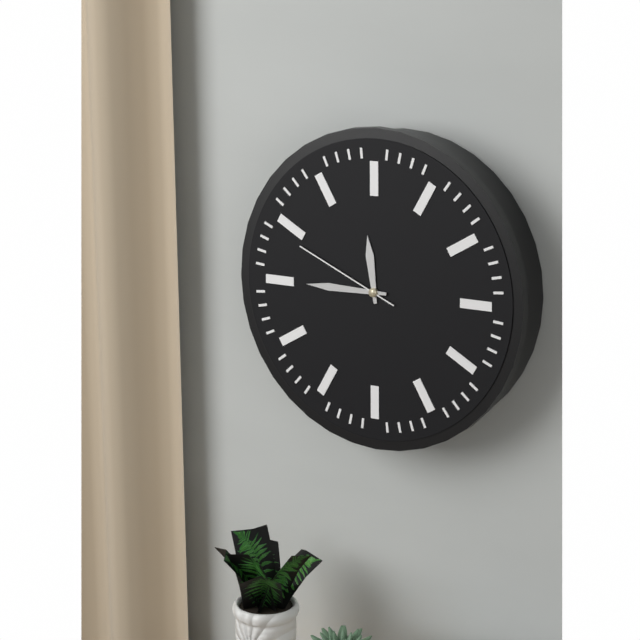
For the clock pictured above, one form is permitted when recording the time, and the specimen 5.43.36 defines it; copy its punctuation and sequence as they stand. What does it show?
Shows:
11.45.49
